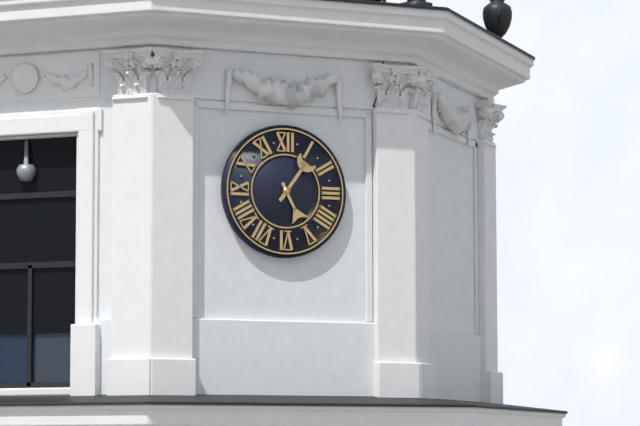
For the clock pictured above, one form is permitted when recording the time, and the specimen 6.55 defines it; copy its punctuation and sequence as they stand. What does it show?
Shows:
5.06
